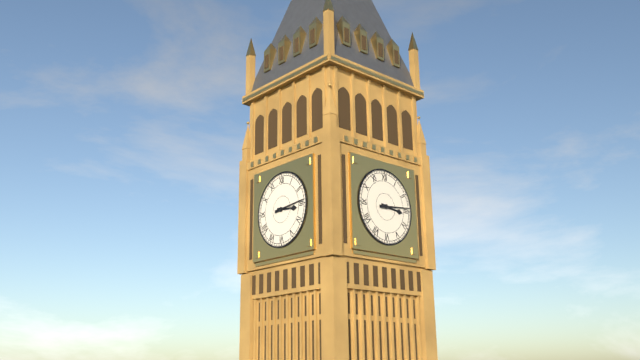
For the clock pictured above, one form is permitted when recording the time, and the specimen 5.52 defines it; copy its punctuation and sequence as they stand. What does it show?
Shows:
3.14
